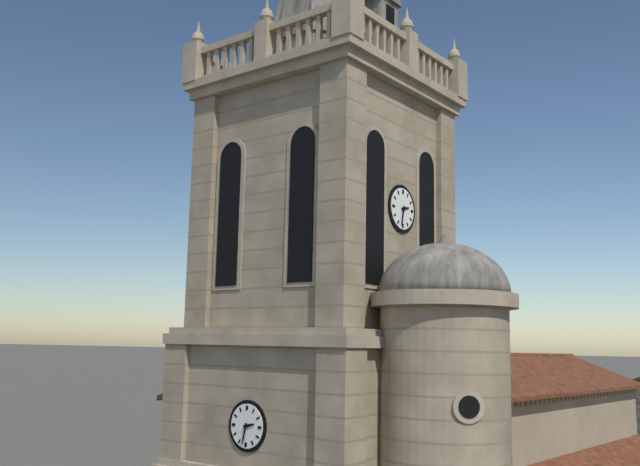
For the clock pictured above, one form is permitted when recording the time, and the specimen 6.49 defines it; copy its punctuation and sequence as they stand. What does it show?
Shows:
2.32
